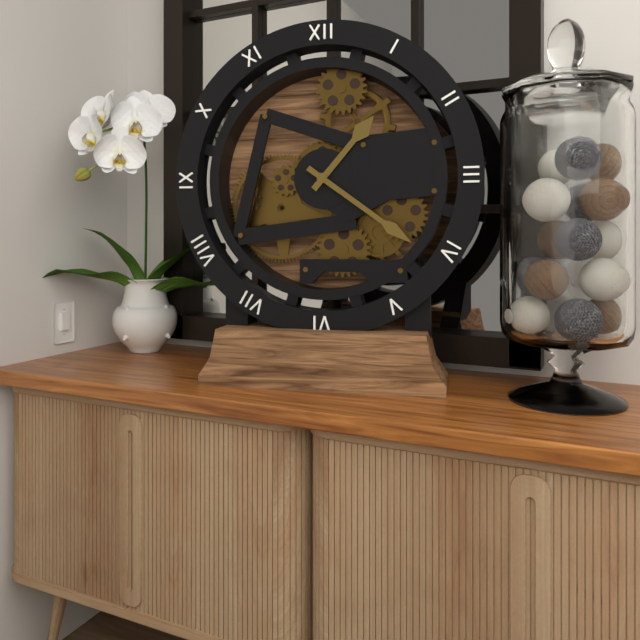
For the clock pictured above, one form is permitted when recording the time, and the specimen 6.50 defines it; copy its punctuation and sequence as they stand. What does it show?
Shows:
1.21
